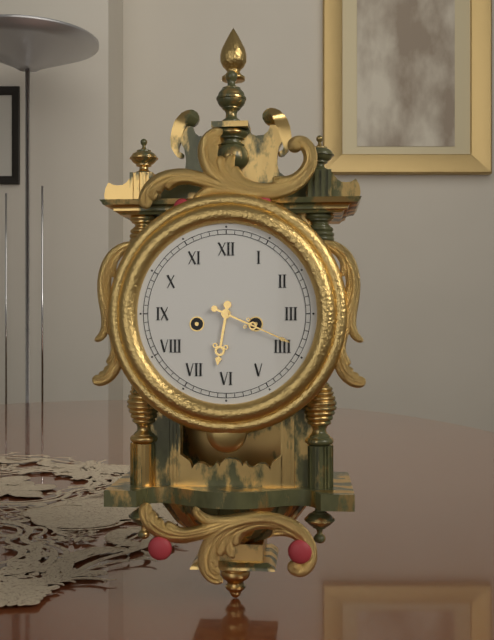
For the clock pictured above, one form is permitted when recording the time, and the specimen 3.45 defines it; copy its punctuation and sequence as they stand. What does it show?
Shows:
6.19
